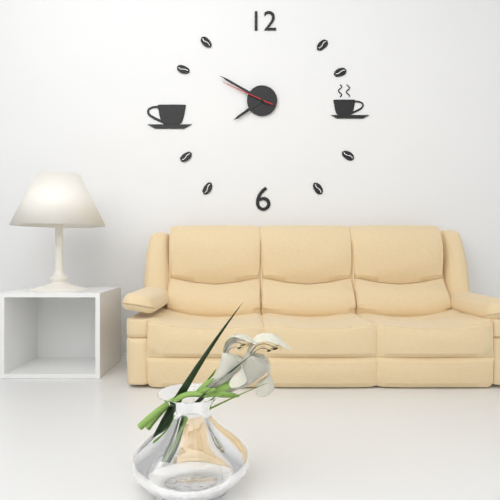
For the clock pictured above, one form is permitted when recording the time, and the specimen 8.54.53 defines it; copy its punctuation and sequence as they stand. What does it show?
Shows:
7.50.49
